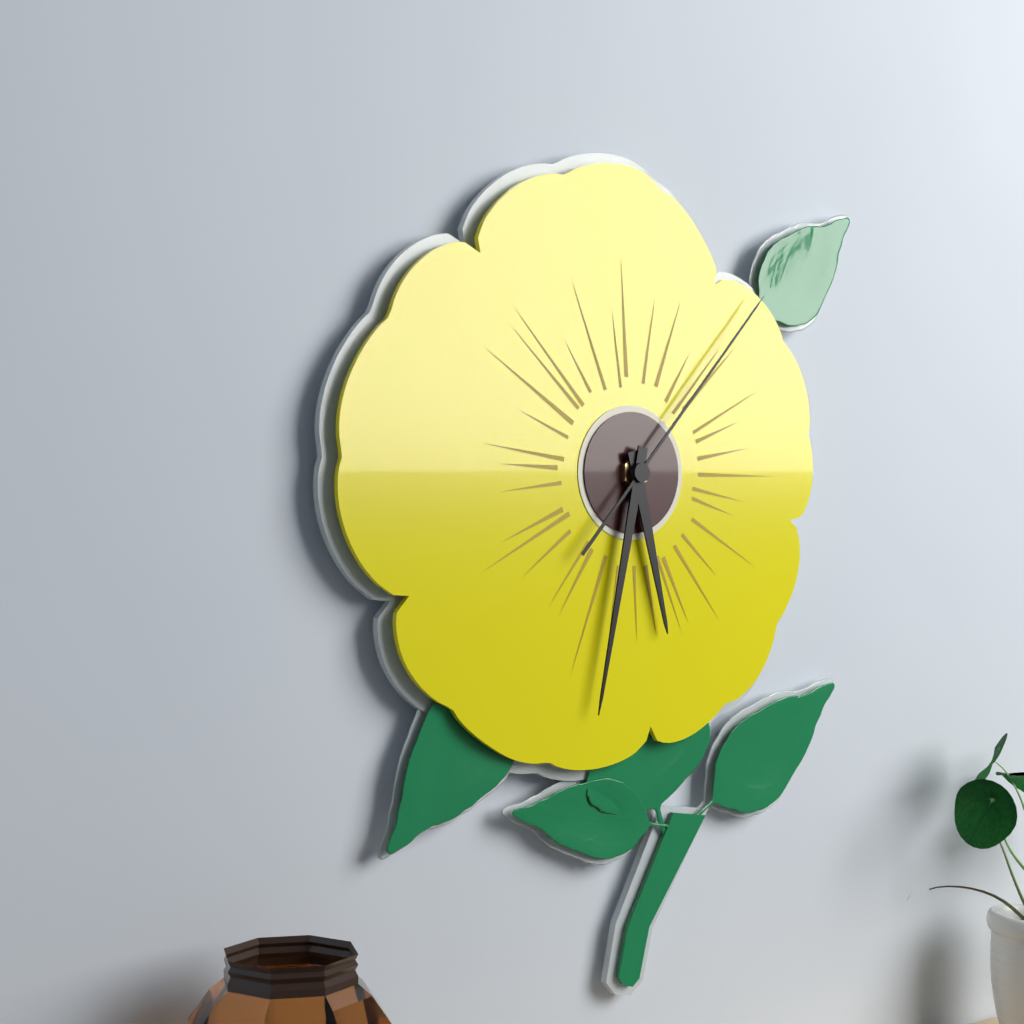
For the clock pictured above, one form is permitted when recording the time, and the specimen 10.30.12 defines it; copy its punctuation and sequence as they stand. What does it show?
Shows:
5.32.07
